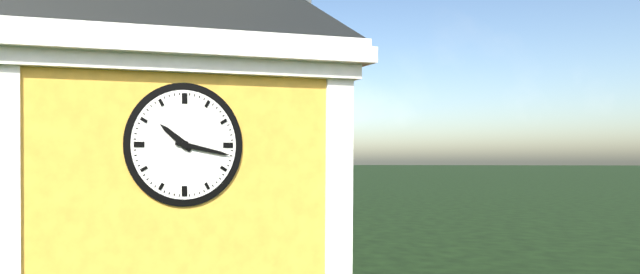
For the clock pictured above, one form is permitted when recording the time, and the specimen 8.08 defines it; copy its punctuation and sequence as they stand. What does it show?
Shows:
10.17
